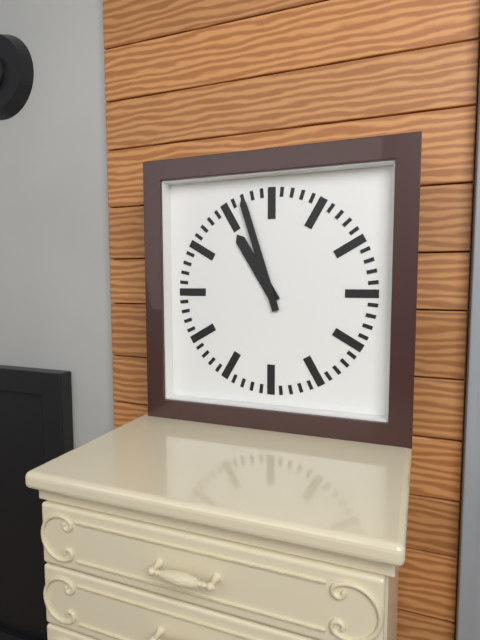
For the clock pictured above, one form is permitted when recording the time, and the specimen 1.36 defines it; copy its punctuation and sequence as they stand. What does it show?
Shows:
10.57
